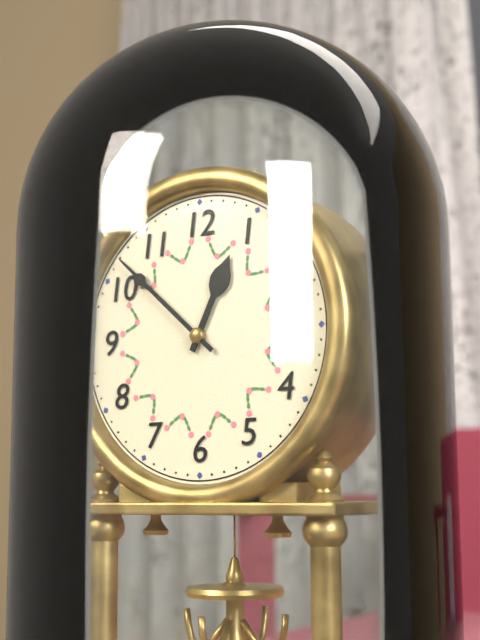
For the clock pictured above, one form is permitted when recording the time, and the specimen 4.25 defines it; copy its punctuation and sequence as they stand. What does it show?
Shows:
12.52
